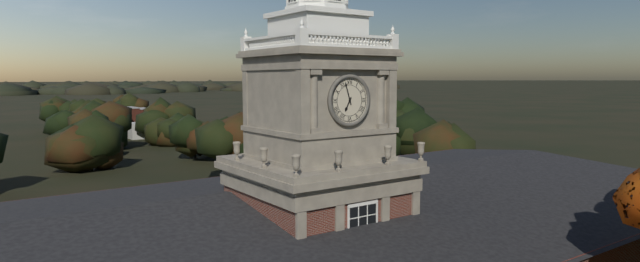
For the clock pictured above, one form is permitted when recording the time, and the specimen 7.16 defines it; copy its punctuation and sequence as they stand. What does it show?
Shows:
6.57
